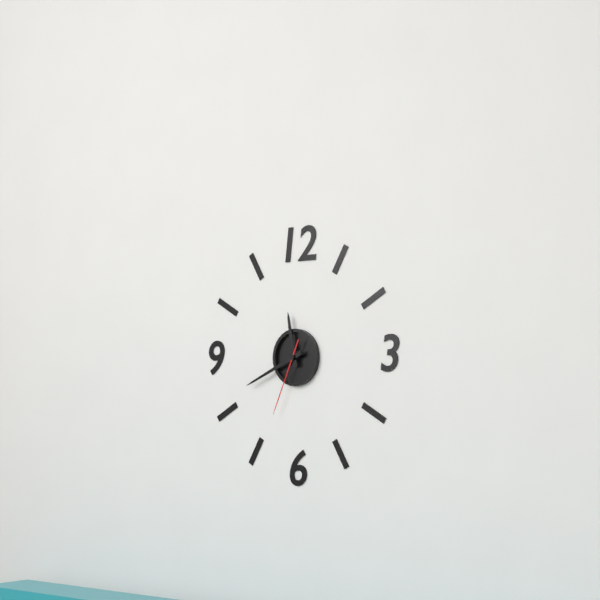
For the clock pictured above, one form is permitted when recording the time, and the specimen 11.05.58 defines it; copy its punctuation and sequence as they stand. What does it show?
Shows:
11.41.34
